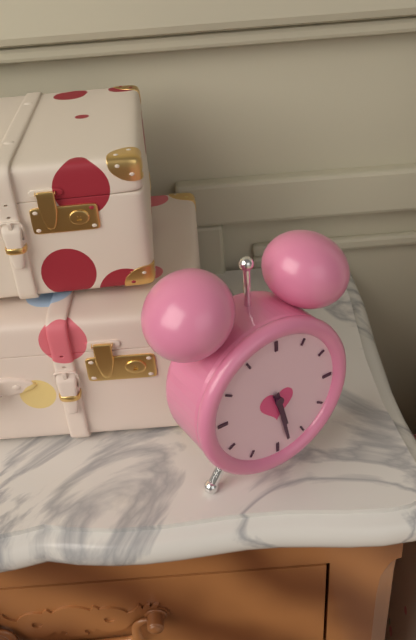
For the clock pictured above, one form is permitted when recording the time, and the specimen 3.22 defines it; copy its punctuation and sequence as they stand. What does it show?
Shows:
5.28
